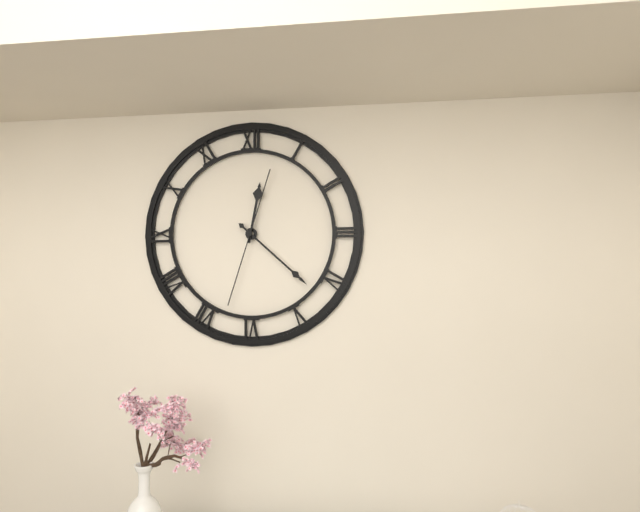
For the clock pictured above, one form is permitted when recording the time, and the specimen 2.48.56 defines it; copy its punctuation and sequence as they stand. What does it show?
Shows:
12.22.33
